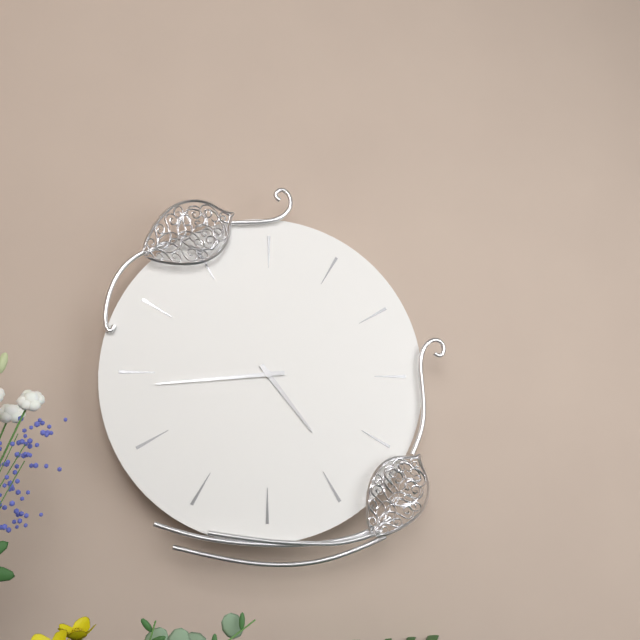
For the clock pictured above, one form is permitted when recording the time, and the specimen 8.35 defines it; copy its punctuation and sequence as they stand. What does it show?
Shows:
4.44
